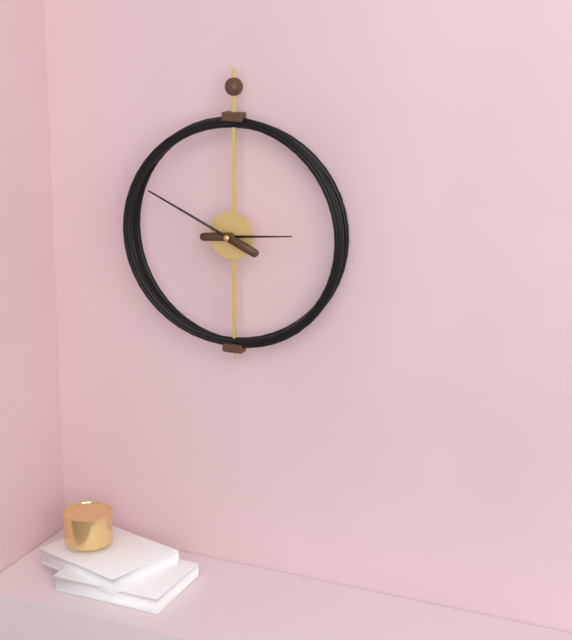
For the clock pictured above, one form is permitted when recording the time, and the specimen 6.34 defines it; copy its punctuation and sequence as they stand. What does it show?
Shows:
2.49
